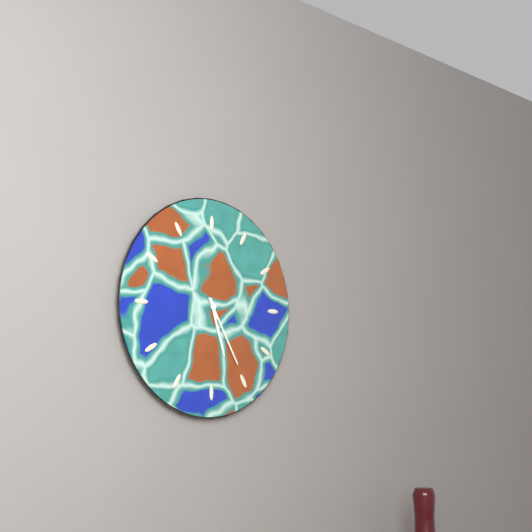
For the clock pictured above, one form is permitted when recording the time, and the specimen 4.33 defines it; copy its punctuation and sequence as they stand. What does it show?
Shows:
5.25
